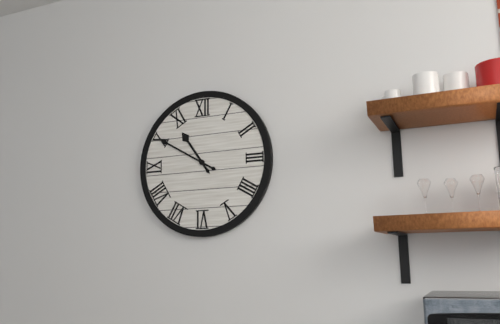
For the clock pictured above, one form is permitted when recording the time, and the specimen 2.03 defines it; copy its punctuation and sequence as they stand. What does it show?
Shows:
10.50
